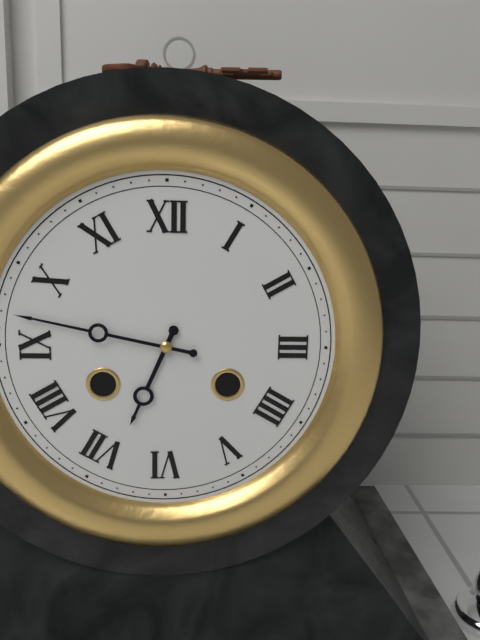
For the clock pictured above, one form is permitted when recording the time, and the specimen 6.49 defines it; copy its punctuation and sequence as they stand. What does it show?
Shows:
6.47
